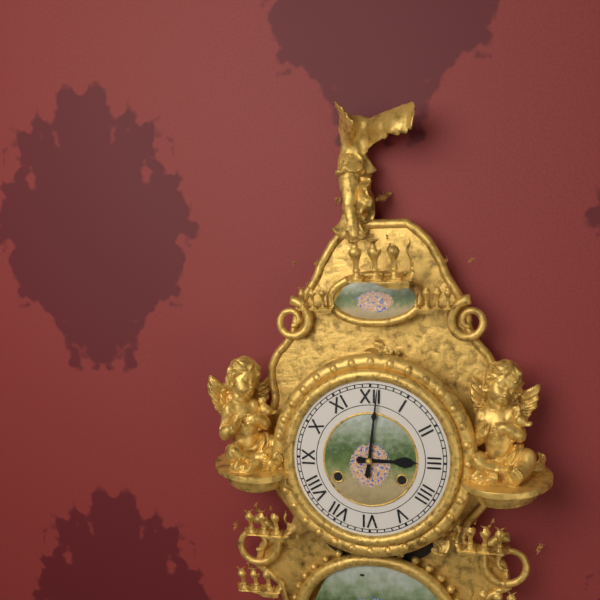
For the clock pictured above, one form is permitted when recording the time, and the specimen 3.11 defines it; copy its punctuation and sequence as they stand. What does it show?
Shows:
3.01
